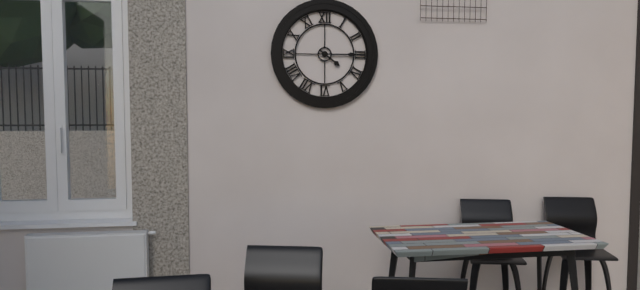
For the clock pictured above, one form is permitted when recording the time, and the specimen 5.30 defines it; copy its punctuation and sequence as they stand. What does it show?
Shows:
4.15
